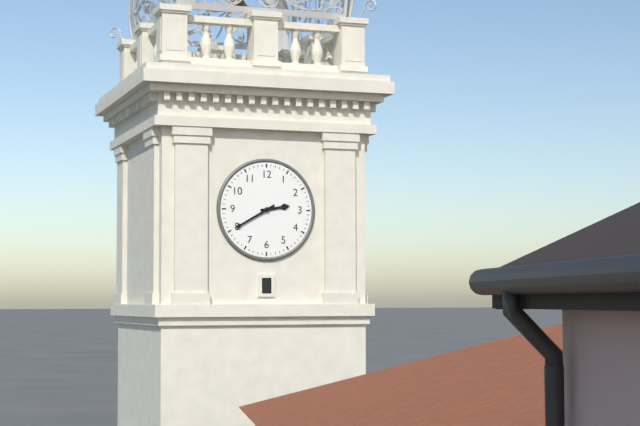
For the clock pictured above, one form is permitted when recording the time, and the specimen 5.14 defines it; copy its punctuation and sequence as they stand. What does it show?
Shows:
2.40
